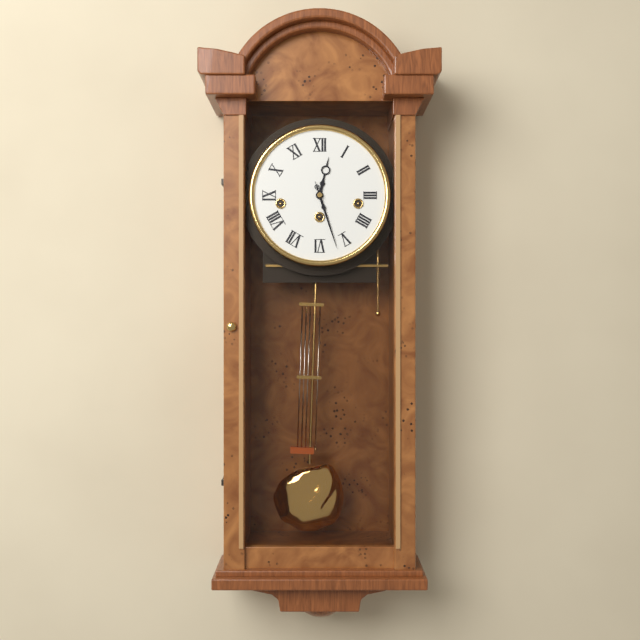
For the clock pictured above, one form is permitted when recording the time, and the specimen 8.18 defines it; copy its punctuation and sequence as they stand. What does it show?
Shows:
12.27
